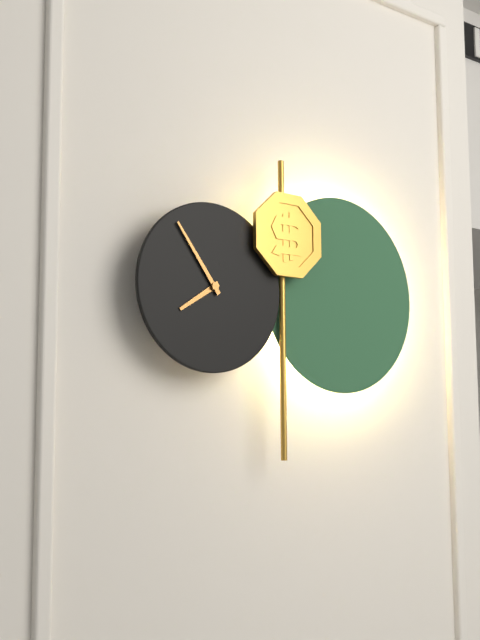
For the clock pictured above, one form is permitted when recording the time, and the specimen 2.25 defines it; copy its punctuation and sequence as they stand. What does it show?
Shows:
7.54
